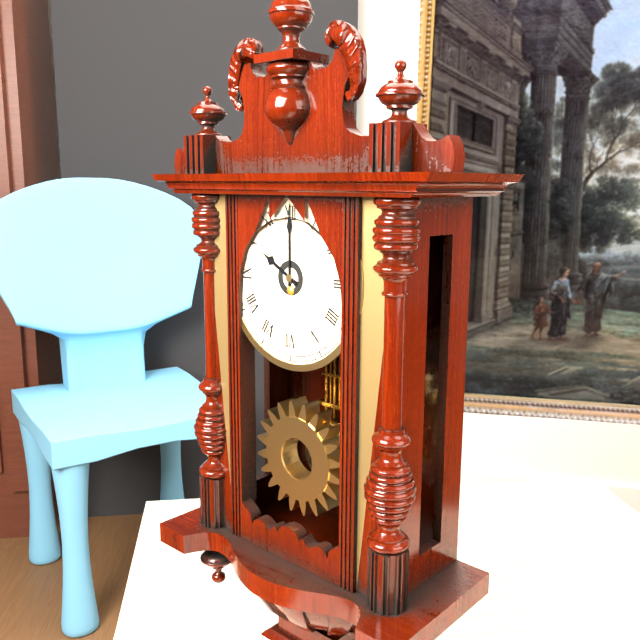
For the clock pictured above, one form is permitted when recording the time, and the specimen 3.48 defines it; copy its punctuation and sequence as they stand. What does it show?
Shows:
10.00
